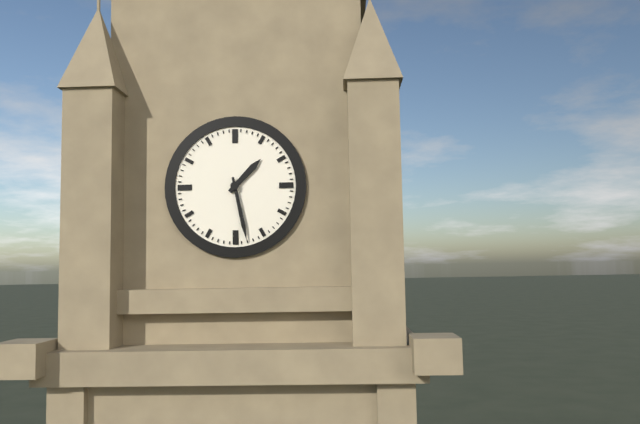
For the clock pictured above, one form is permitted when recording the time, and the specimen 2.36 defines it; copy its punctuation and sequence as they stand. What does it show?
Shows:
1.28
